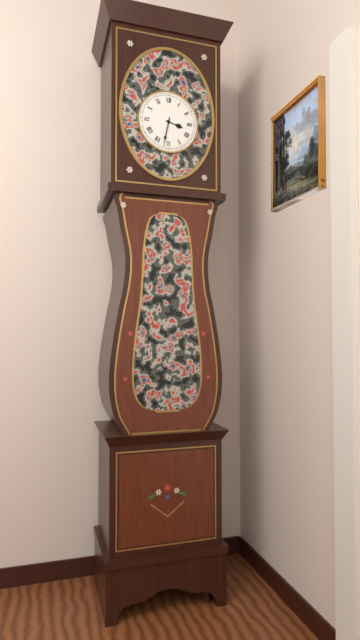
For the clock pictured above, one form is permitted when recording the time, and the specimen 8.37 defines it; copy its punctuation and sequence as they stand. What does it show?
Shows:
3.32
